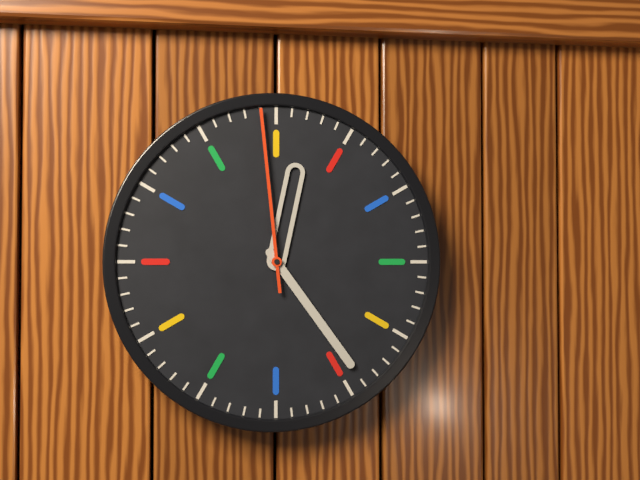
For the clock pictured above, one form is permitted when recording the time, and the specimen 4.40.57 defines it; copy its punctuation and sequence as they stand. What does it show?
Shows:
12.24.59
